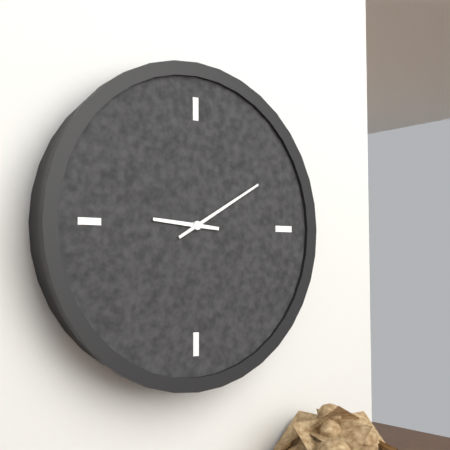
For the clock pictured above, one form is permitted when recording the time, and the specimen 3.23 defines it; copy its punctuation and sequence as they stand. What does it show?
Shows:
9.10
